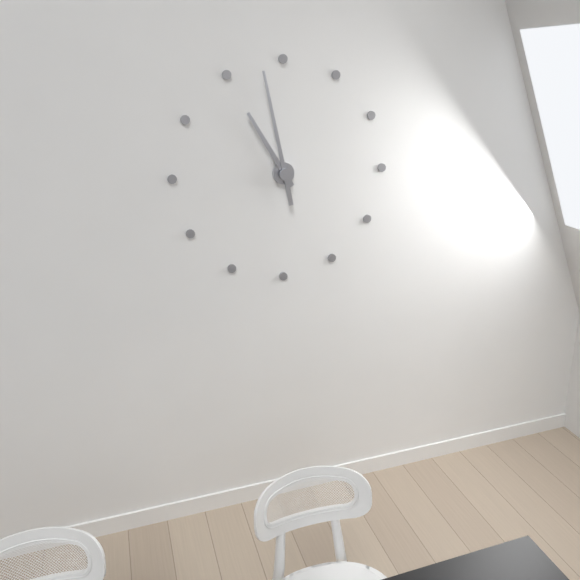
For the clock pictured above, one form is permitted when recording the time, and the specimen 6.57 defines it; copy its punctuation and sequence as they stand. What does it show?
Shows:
10.58
